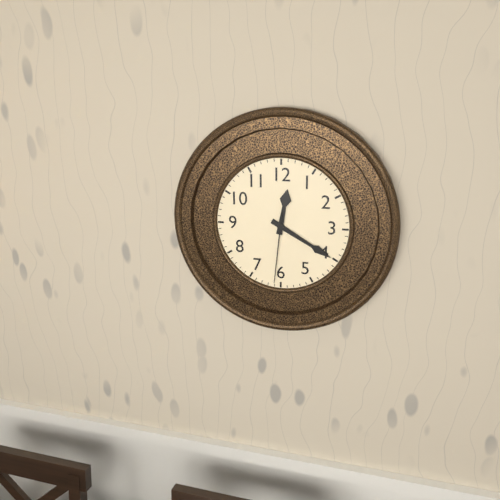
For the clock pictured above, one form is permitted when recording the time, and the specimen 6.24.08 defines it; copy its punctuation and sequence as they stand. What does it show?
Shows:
12.20.31
